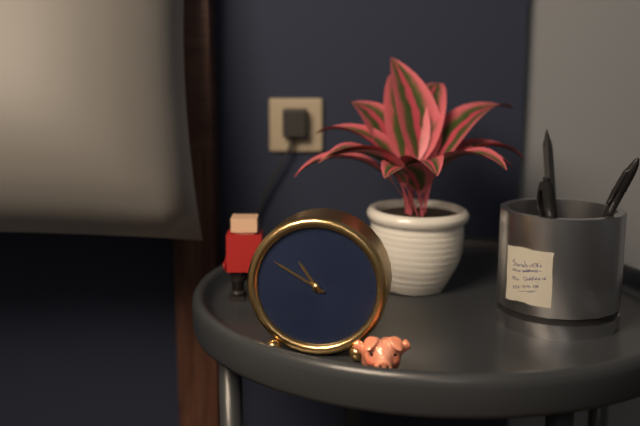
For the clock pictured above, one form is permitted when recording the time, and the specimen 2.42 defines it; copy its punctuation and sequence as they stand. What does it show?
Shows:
10.50
